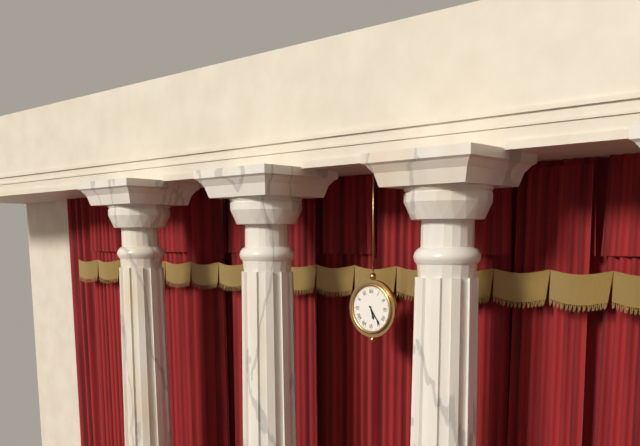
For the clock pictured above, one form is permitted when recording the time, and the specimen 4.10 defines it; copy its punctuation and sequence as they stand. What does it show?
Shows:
5.24
